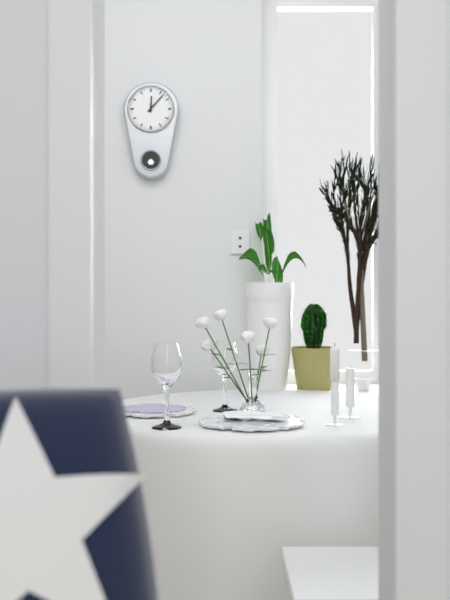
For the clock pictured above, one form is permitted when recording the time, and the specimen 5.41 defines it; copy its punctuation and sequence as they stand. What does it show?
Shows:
12.07
